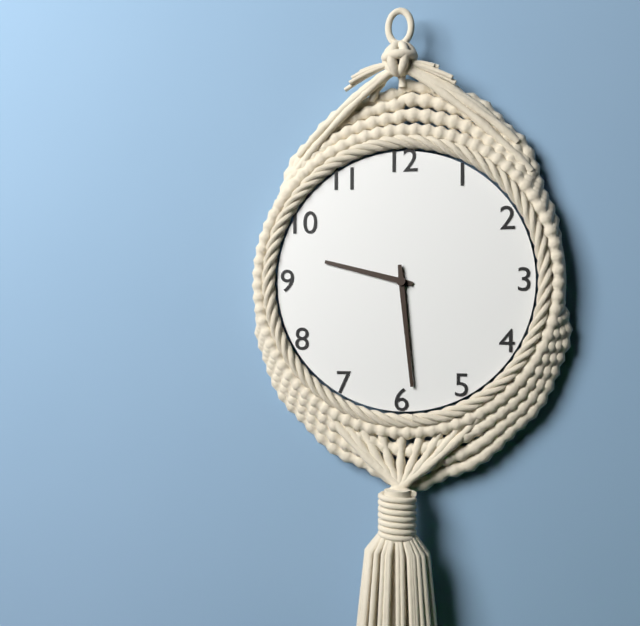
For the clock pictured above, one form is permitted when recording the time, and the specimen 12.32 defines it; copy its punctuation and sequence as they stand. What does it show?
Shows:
9.29
